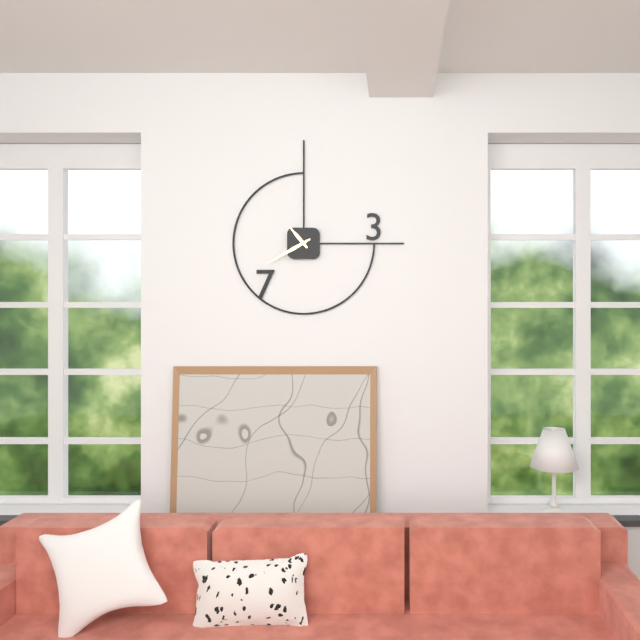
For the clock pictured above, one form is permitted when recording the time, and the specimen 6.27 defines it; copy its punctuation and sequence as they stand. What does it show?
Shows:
10.40
